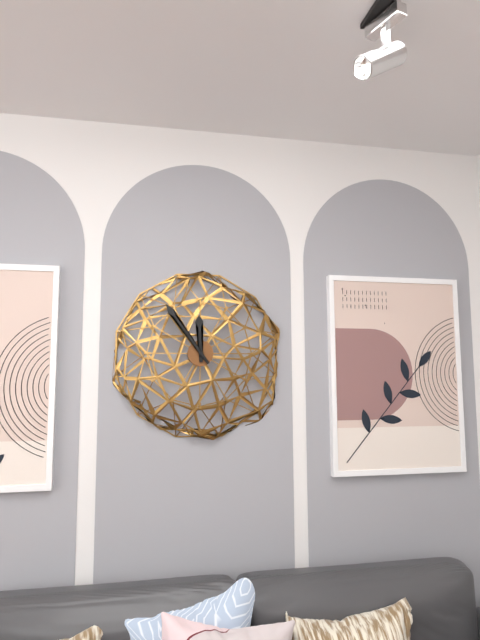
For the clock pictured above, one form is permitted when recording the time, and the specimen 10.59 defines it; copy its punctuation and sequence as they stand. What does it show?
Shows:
11.54
